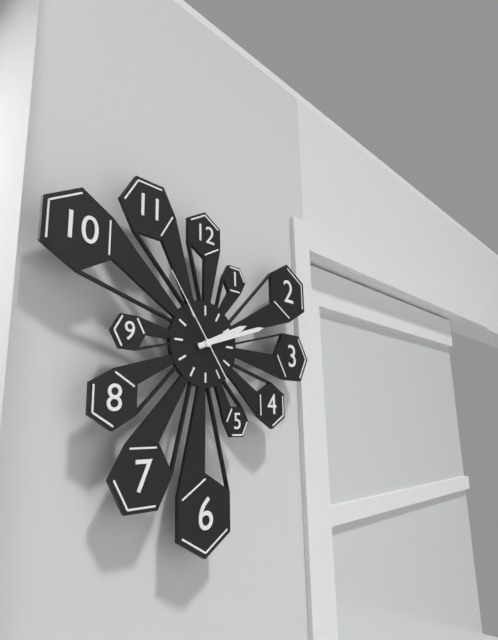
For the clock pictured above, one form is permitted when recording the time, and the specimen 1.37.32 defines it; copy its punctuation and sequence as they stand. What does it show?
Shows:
2.12.54
